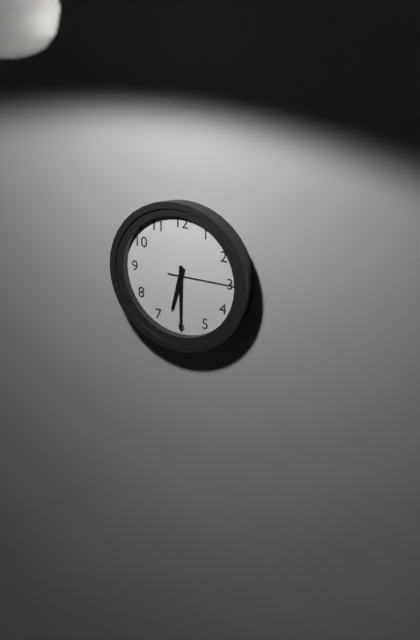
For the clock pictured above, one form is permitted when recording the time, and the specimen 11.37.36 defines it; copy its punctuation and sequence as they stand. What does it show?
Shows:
6.30.15
